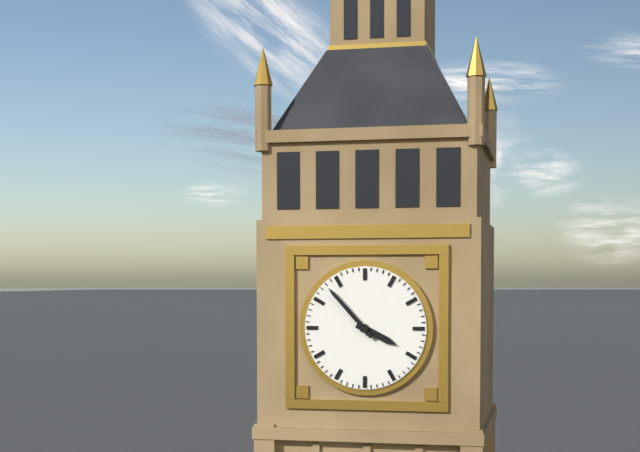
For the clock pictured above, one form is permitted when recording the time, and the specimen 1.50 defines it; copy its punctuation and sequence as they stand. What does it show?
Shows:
3.53
